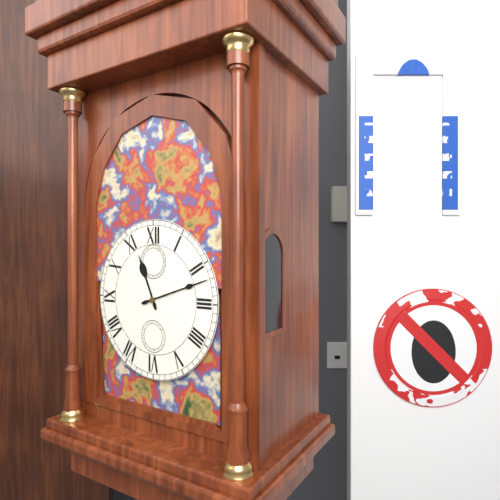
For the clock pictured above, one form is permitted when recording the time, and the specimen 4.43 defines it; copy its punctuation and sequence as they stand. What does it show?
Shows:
11.12
